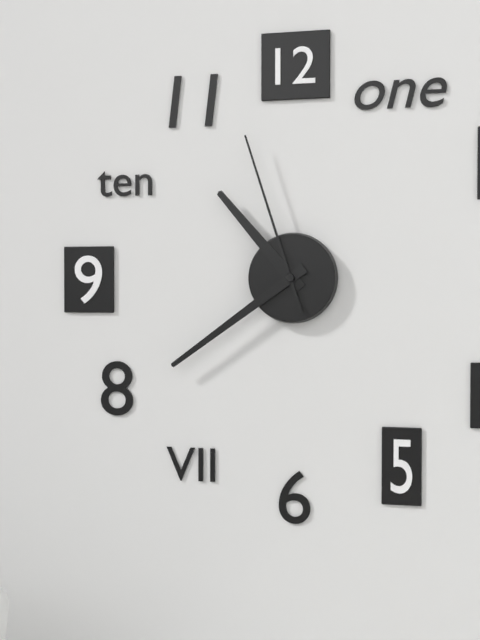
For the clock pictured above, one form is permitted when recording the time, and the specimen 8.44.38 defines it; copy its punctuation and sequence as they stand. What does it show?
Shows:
10.39.57
